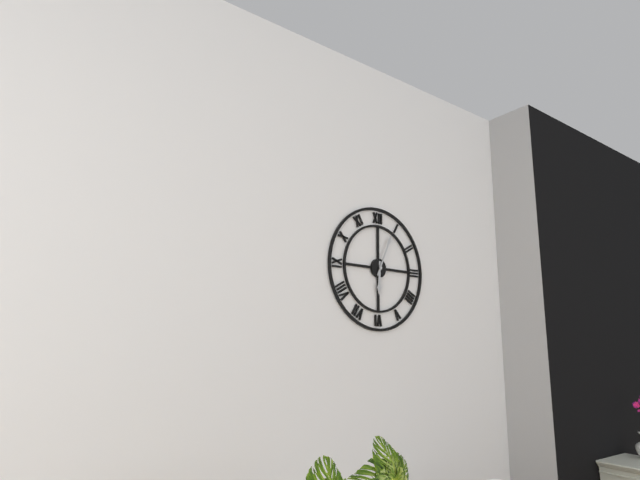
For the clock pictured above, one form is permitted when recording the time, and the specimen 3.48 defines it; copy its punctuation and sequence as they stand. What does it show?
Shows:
6.04
